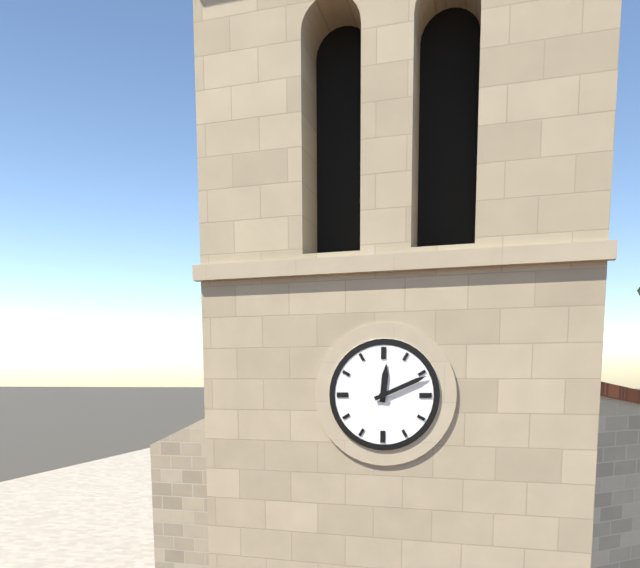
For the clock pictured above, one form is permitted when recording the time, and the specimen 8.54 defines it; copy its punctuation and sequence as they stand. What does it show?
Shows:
12.11
